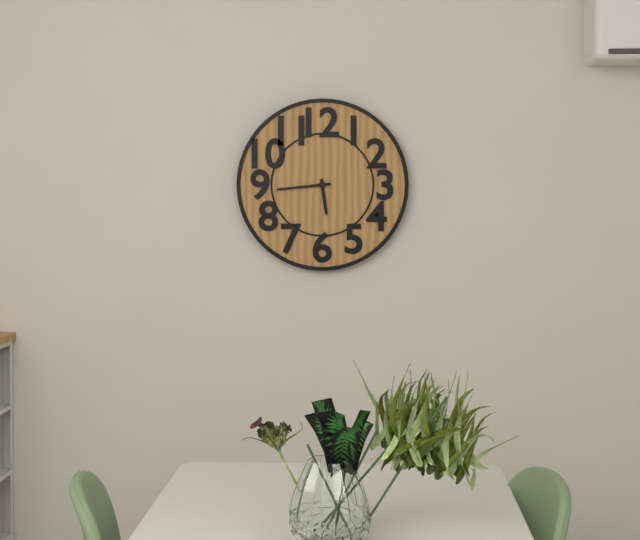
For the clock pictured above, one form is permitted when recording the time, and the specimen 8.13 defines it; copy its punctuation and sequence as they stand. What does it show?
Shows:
5.44
